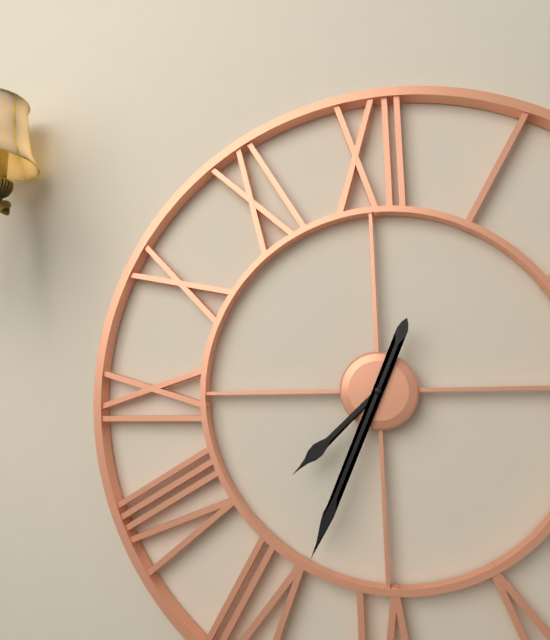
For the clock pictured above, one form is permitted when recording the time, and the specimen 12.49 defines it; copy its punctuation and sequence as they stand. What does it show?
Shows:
7.34
